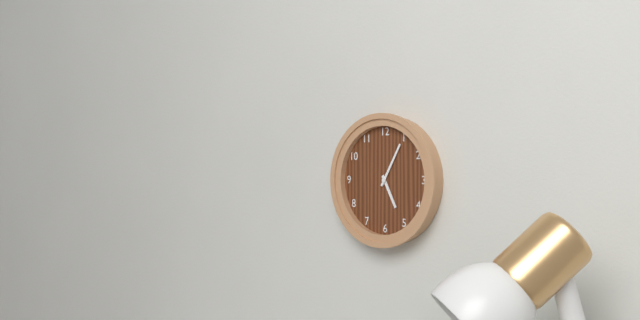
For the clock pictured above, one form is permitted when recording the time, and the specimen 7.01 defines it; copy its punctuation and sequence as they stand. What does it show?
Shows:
5.05
